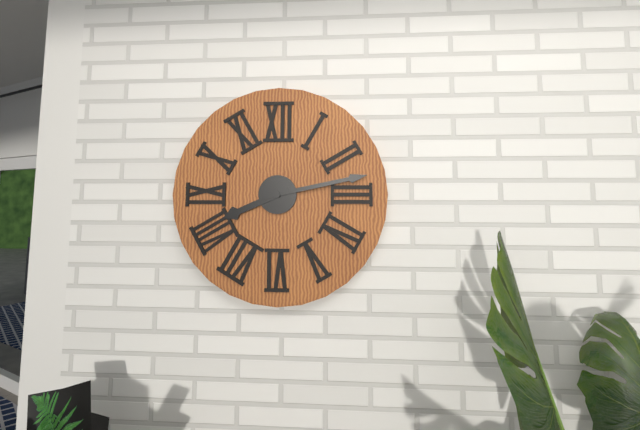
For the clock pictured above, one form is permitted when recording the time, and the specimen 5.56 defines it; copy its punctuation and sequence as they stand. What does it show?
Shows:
8.13
